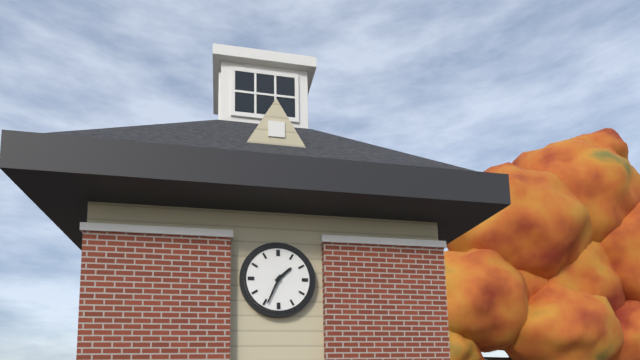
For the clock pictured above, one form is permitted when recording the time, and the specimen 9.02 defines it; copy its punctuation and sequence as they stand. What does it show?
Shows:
1.34
